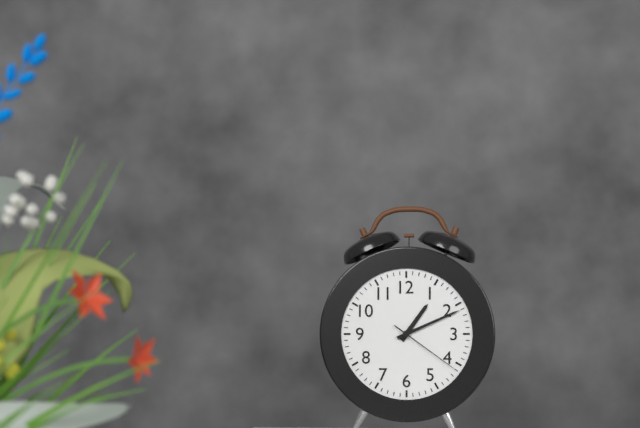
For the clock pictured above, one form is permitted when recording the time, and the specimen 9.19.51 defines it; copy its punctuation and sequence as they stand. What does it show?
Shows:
1.11.21
